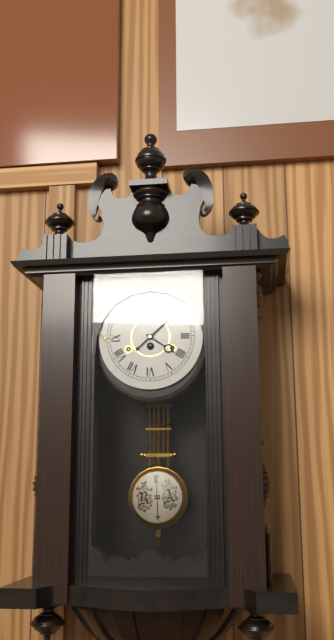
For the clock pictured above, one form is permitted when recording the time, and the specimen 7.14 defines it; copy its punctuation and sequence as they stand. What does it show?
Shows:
4.08
